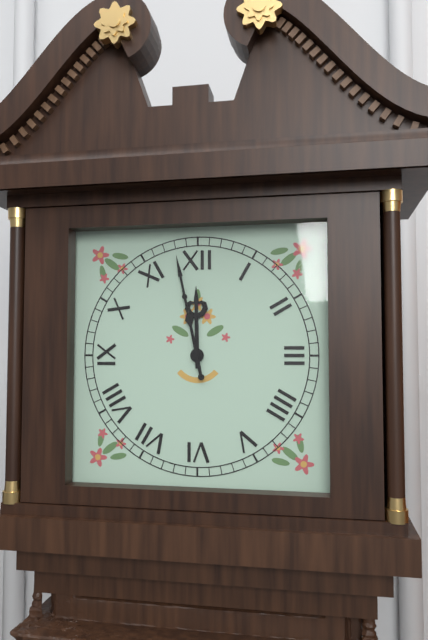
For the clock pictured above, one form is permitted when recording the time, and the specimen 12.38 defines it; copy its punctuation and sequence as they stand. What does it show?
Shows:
11.58
